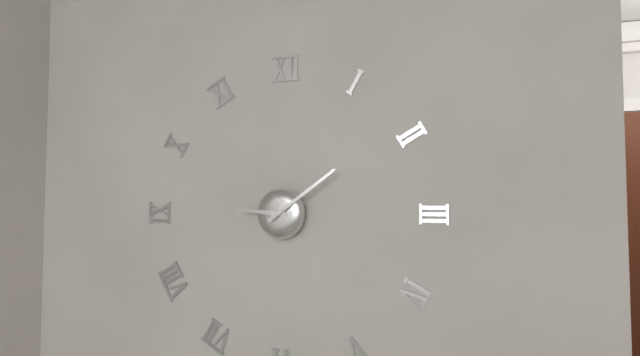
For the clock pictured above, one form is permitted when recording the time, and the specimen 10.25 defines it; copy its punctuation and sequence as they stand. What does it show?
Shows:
9.09
